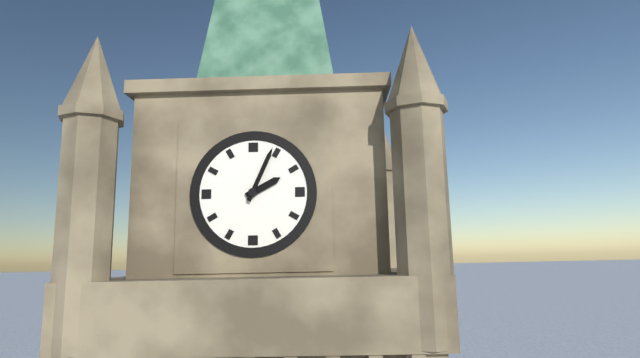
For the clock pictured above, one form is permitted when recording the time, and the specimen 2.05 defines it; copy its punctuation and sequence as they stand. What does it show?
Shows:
2.04
